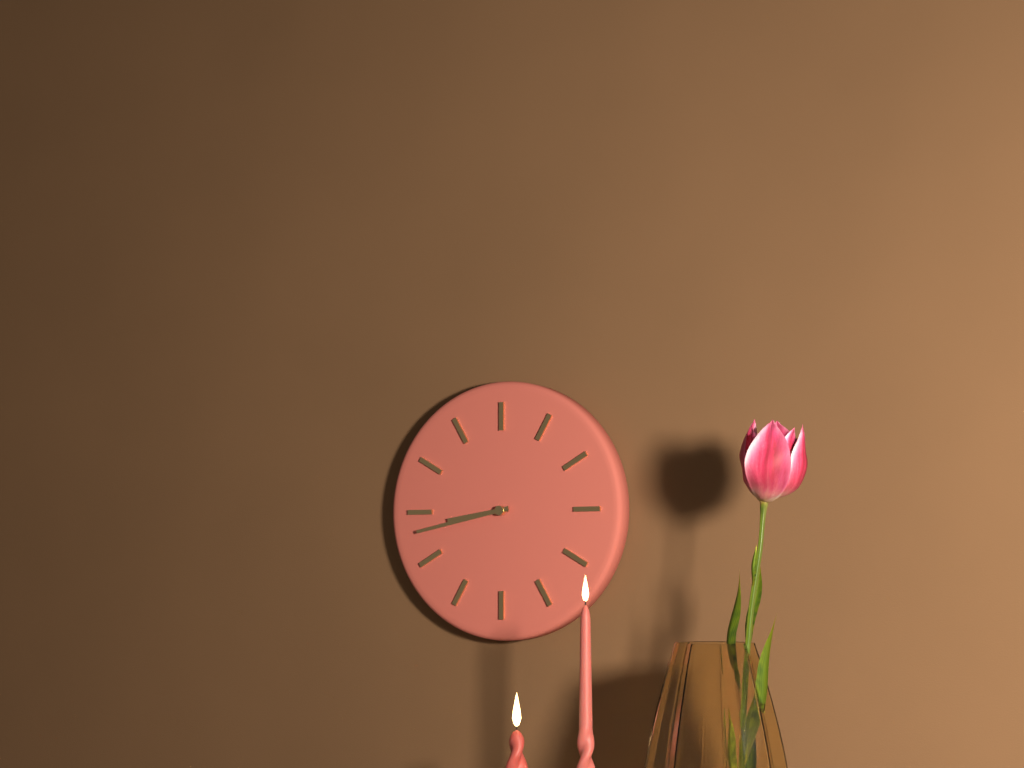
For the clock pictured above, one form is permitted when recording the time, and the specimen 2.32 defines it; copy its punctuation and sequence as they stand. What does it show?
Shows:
8.43
